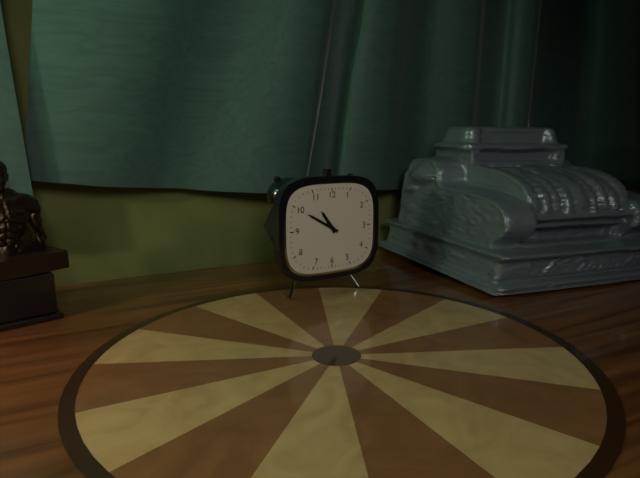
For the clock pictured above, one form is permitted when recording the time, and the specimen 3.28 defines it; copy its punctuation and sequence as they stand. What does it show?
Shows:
10.50
